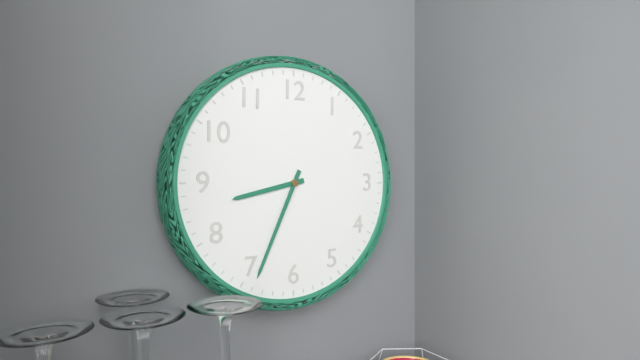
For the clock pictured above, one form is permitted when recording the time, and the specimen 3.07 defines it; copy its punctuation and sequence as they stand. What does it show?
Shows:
8.34
